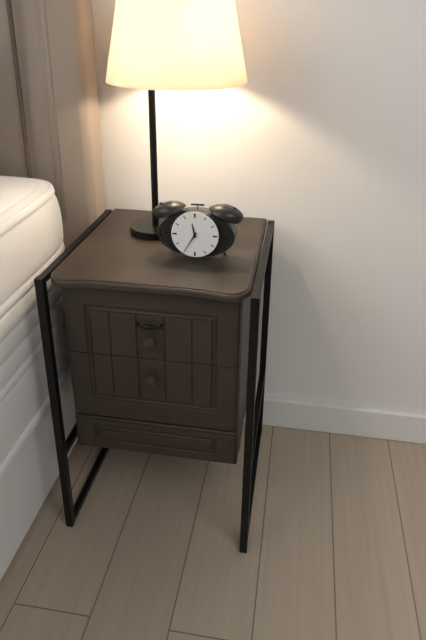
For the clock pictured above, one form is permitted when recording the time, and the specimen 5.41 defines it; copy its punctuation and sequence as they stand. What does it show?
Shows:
11.35
